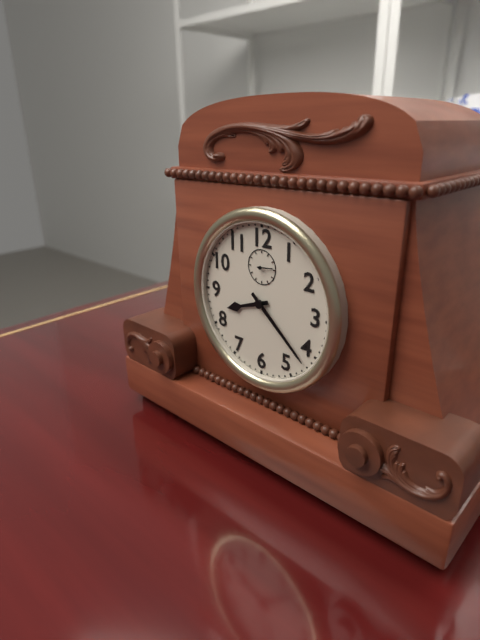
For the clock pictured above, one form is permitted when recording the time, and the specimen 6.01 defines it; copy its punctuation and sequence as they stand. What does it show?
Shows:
8.22
